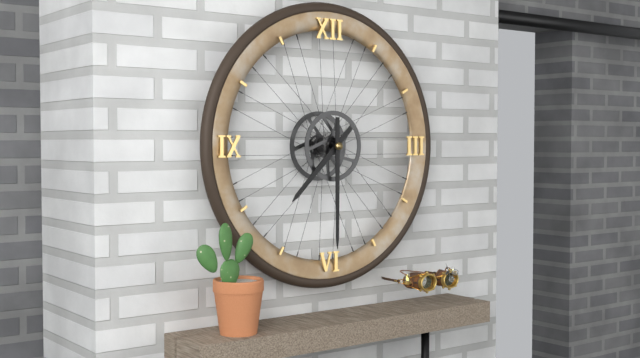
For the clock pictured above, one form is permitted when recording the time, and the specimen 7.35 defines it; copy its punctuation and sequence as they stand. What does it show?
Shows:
7.30
